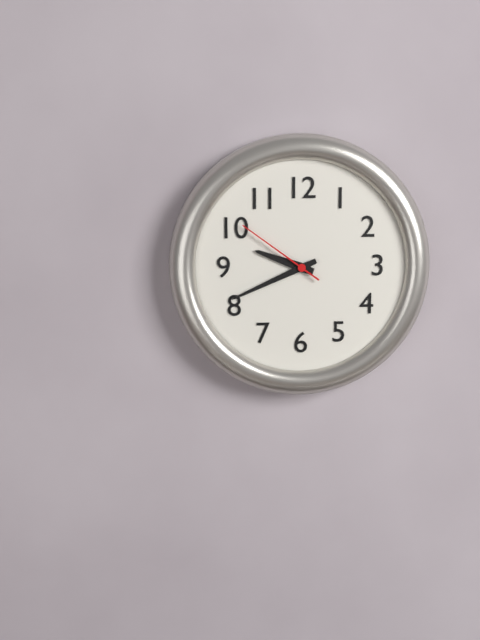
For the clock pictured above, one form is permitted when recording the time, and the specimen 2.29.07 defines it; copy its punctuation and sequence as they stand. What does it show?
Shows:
9.41.51
